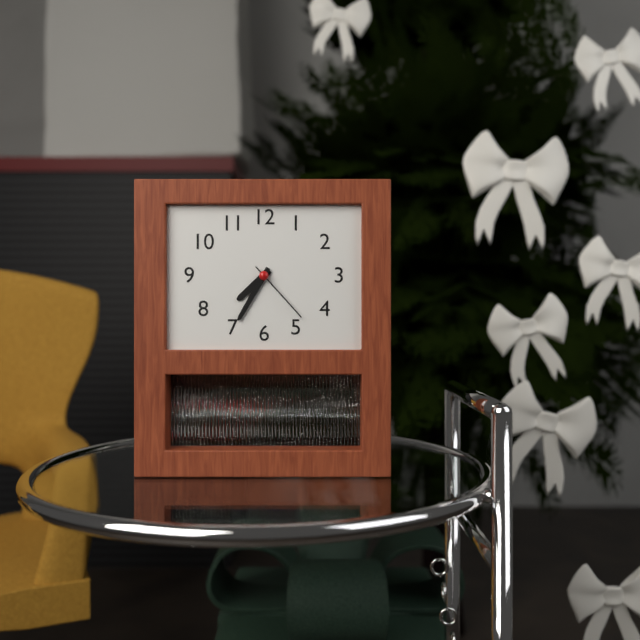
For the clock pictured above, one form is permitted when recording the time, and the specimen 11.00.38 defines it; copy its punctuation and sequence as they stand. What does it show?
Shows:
7.35.23
